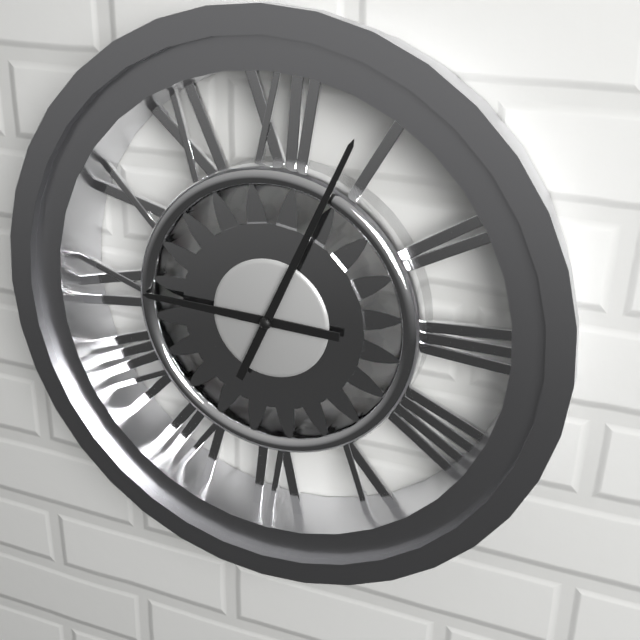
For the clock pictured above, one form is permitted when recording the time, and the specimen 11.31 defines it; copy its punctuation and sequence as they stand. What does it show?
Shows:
9.04
